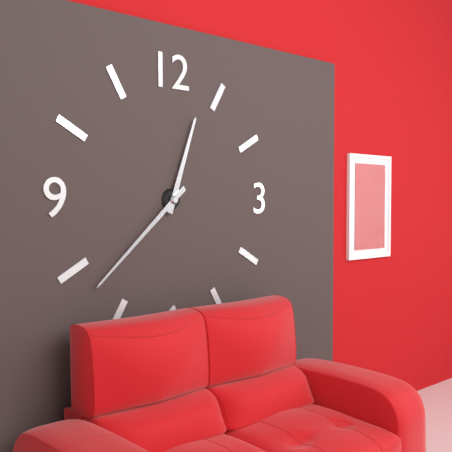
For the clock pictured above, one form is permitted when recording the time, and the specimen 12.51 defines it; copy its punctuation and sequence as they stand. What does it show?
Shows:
12.38
